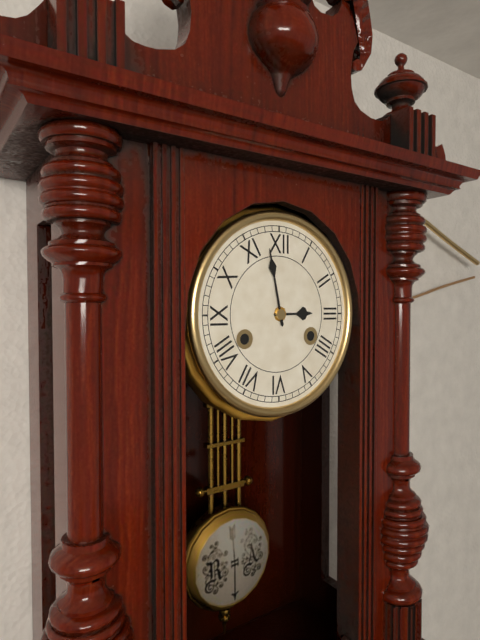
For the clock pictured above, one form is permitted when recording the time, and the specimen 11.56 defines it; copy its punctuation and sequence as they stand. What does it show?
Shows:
2.58
